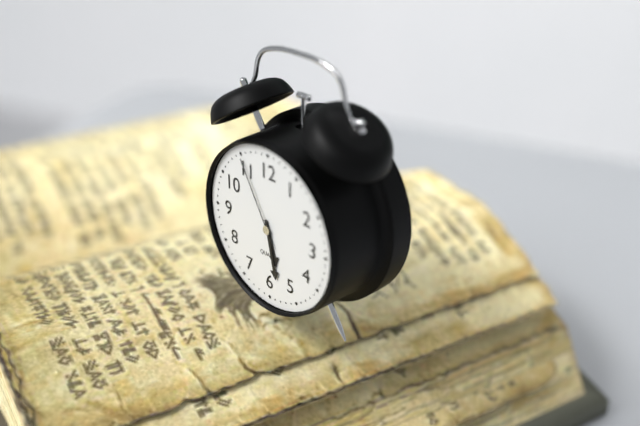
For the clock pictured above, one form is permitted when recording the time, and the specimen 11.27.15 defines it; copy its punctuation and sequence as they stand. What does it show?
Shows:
5.28.55
